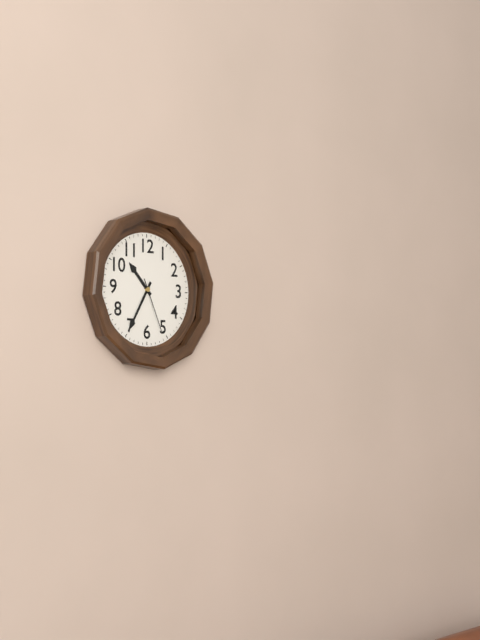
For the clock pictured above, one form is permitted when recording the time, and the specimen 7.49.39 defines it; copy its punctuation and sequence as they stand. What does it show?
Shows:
10.35.26
